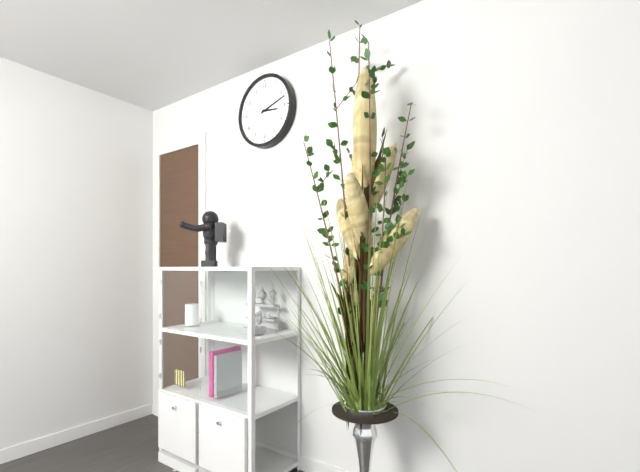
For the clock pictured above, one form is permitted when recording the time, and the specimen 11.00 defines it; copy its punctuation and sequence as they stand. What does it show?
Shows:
3.12
